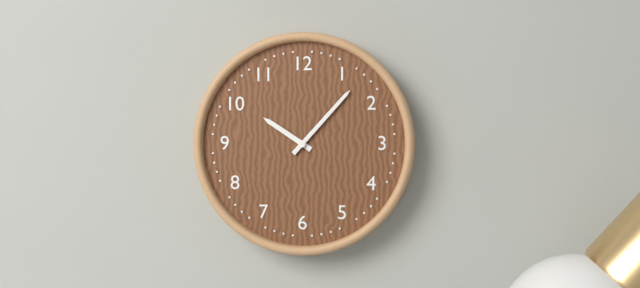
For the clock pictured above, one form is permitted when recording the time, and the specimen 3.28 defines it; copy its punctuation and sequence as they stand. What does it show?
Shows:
10.07
